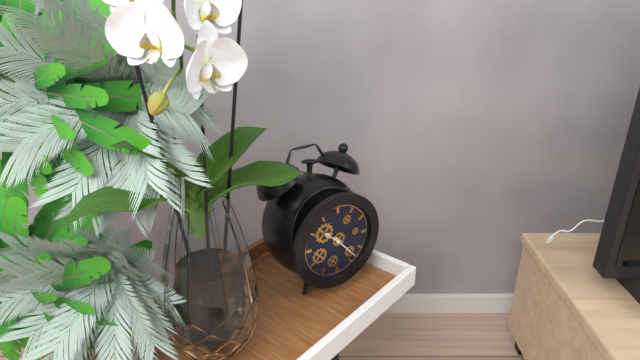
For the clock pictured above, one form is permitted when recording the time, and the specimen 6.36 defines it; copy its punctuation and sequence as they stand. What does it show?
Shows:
10.23
